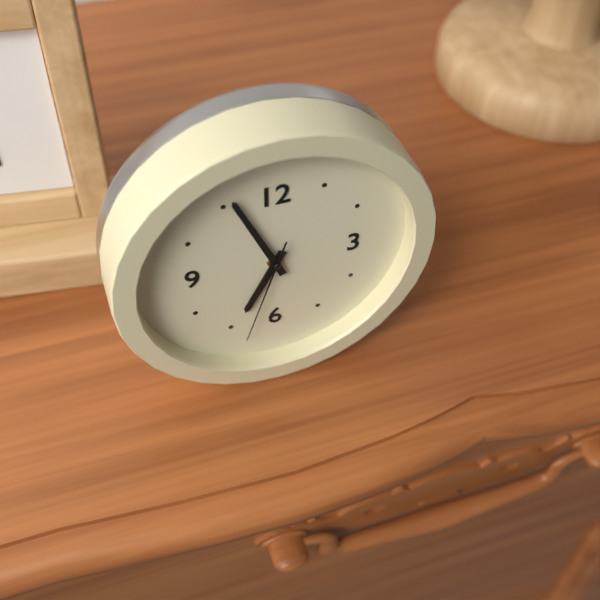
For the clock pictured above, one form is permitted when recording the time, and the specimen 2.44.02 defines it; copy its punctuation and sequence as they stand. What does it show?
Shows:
6.56.33
